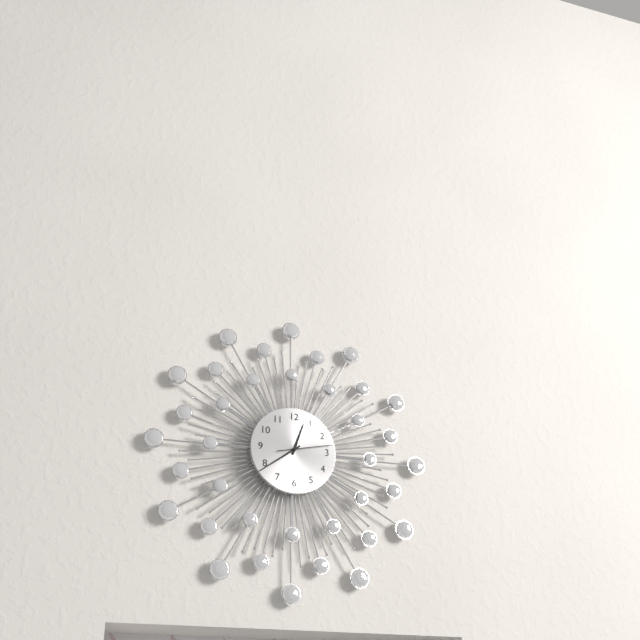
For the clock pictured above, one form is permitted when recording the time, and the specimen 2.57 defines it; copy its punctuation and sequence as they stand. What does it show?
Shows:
12.39
